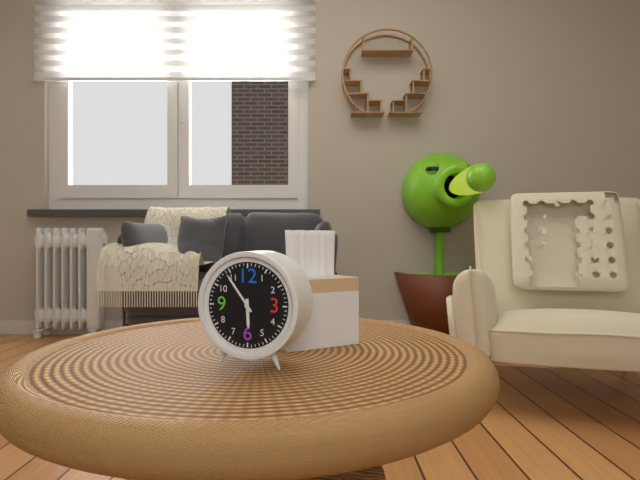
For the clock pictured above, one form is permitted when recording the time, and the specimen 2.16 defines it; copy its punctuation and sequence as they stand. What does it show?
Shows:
5.54
